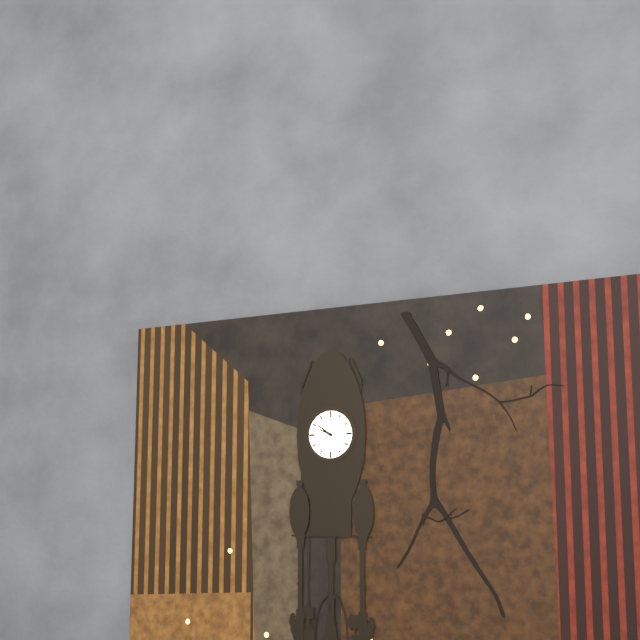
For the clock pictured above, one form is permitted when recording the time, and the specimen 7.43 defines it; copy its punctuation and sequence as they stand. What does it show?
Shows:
9.51
